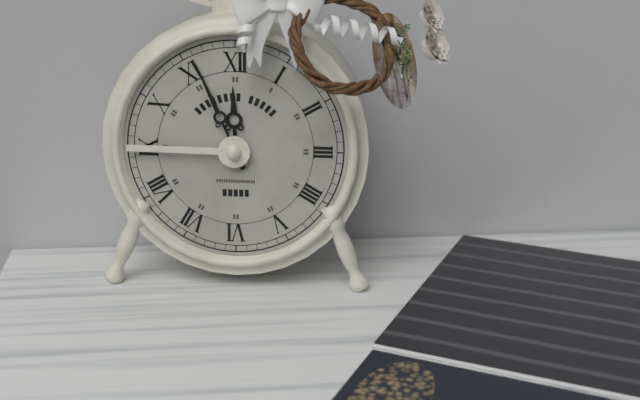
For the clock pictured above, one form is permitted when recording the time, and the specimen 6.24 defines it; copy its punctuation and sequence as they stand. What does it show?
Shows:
11.56
